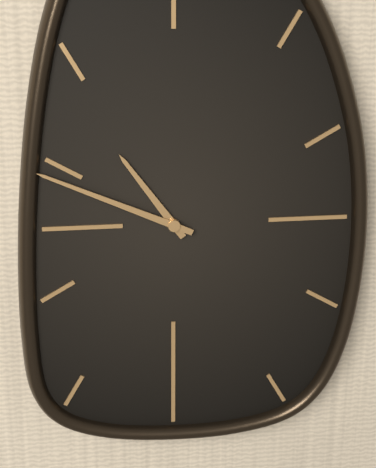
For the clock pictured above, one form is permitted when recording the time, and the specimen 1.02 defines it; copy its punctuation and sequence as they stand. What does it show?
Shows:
10.49
